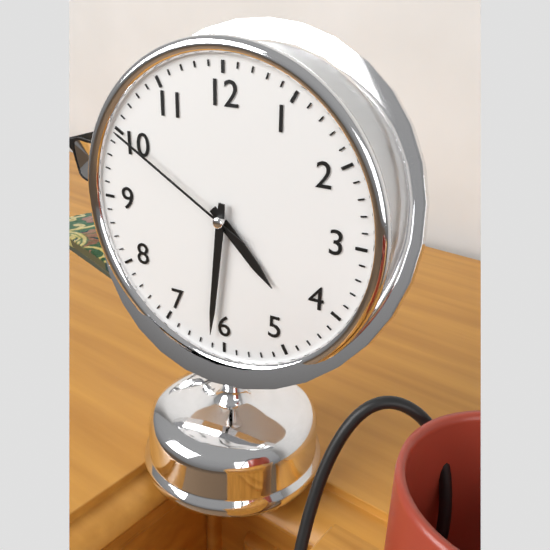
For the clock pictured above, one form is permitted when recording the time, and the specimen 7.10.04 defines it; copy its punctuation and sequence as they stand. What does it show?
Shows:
4.31.50
